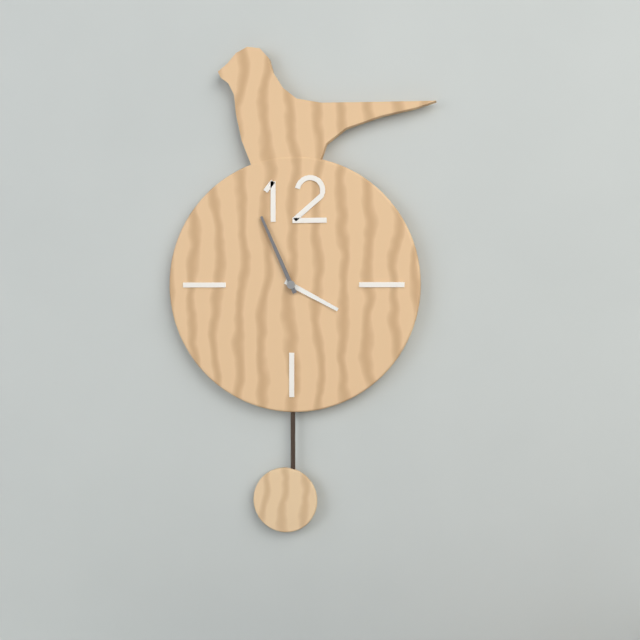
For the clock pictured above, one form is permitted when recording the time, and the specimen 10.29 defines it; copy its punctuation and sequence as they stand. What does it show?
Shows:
3.56
